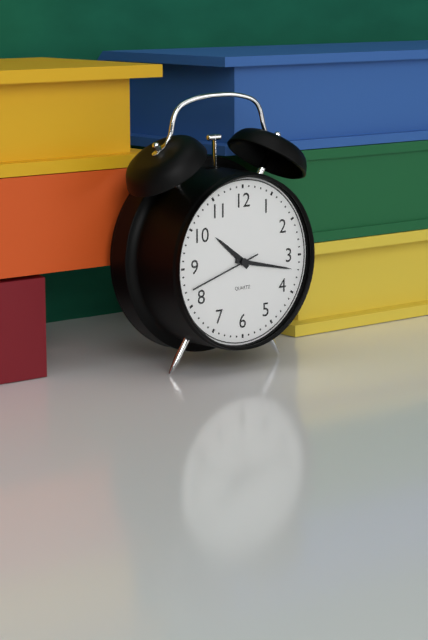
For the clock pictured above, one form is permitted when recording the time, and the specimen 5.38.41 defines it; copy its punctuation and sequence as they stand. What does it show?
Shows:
10.17.42
